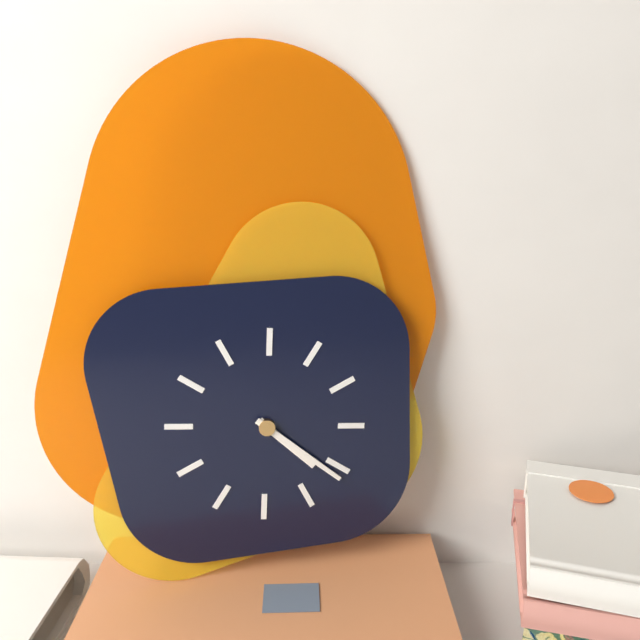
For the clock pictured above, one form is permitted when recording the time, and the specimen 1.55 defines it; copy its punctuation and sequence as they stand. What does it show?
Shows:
4.21
